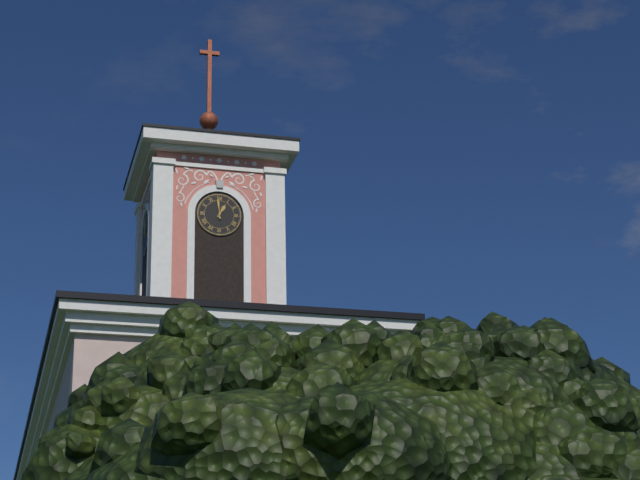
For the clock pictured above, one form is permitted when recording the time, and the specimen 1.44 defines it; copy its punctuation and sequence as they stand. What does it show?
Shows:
12.59
